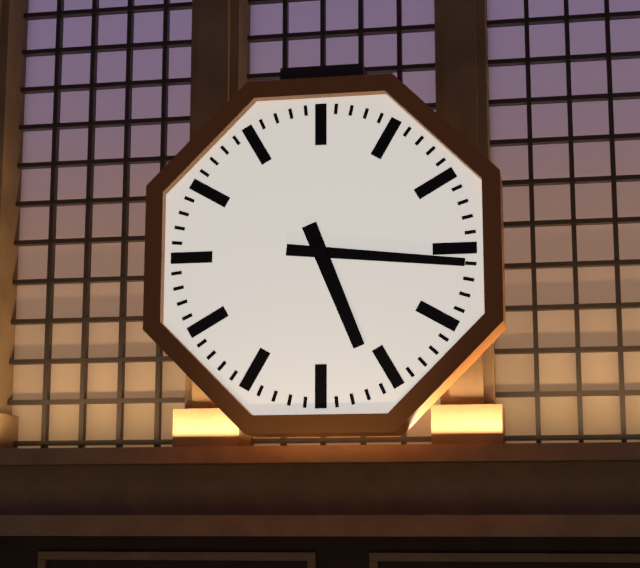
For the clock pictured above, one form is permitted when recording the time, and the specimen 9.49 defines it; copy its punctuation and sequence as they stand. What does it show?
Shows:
5.16
